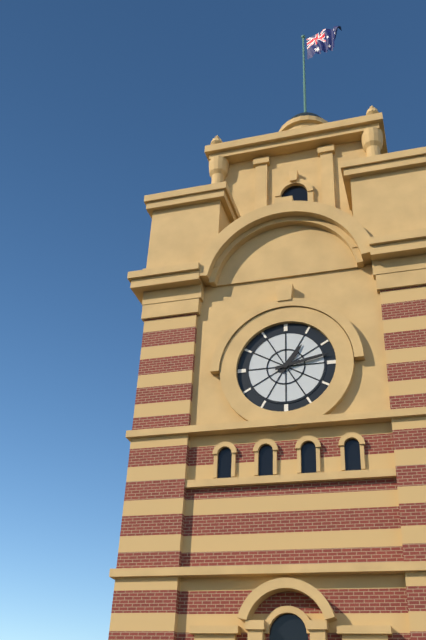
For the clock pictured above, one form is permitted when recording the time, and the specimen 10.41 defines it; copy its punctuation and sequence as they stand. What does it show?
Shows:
1.13
